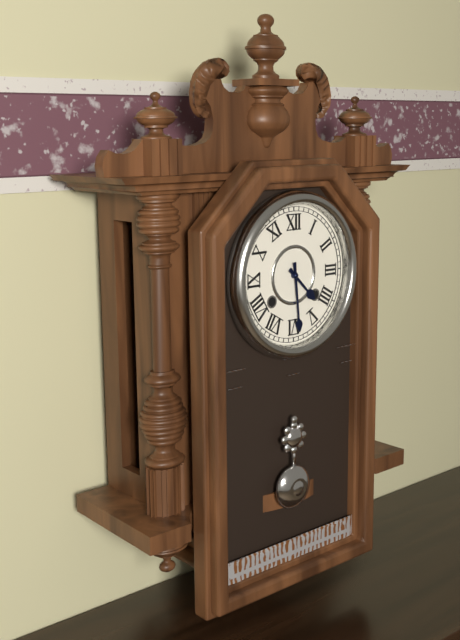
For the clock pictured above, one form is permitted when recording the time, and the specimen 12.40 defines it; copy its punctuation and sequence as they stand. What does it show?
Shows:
4.29
